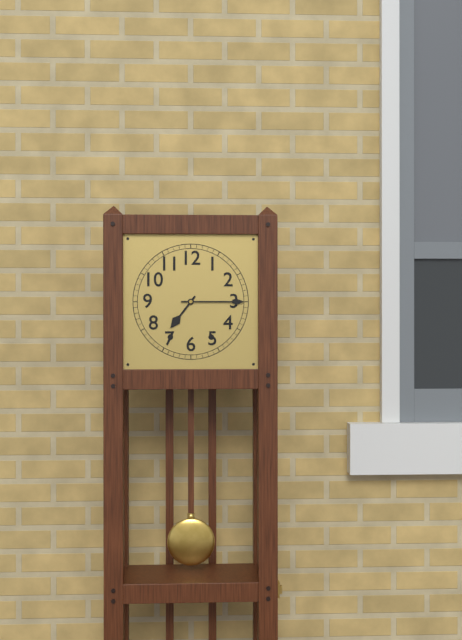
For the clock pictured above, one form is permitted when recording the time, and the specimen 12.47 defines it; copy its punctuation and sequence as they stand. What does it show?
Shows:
7.15
